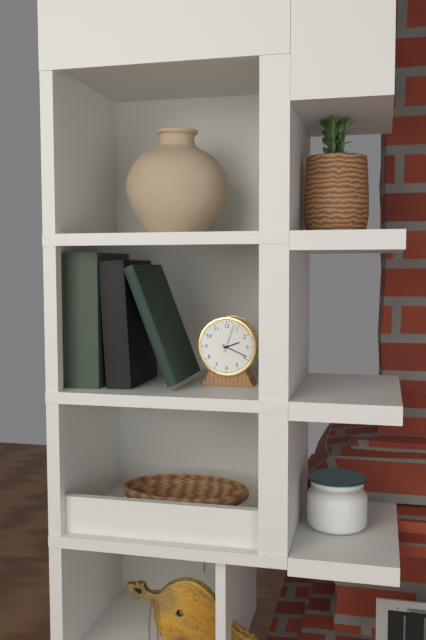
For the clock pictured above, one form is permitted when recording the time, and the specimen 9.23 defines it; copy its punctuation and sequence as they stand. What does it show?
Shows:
2.19
